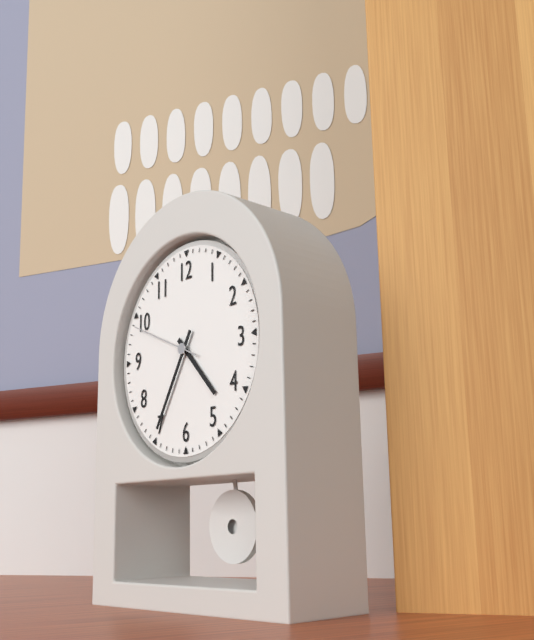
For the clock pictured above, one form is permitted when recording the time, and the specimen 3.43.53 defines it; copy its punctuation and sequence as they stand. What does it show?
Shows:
4.35.49
